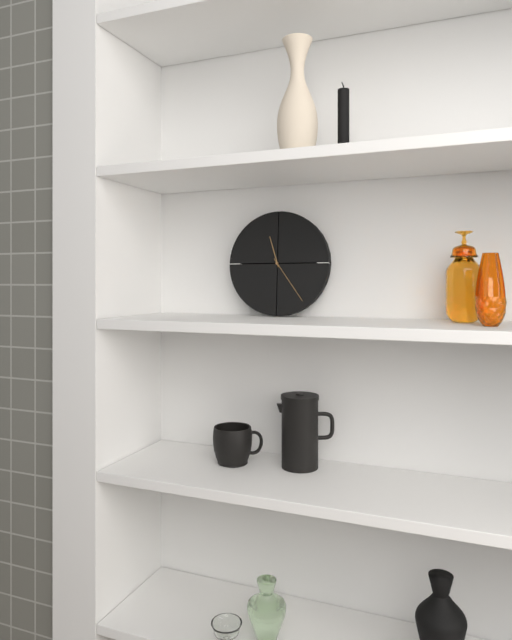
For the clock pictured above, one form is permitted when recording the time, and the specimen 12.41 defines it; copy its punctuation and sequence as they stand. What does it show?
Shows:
11.24
